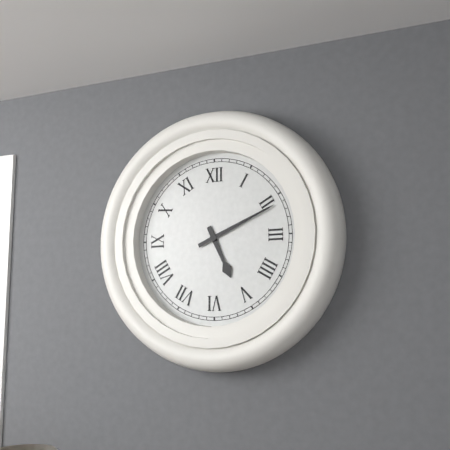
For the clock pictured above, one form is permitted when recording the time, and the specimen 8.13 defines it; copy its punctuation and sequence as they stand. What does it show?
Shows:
5.11
